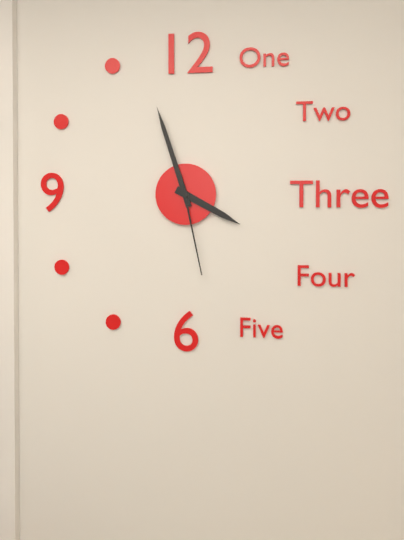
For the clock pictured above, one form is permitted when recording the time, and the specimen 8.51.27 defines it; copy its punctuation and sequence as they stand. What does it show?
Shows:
3.57.28
